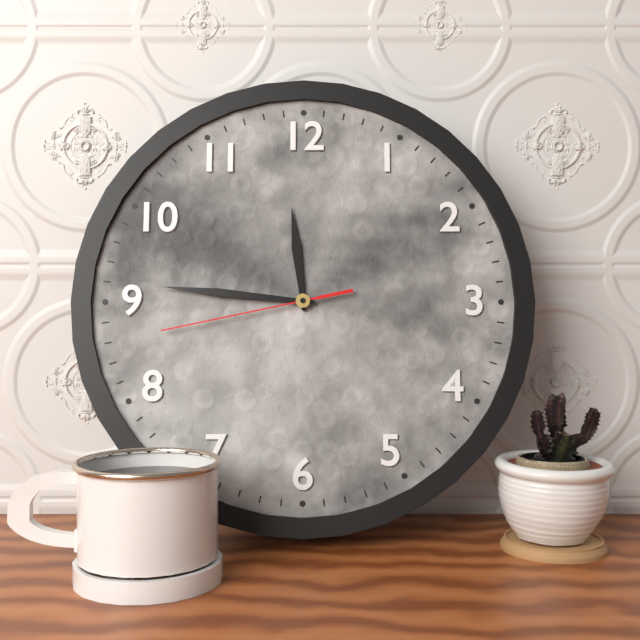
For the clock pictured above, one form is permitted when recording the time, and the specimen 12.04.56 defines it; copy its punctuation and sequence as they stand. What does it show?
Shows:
11.46.43
